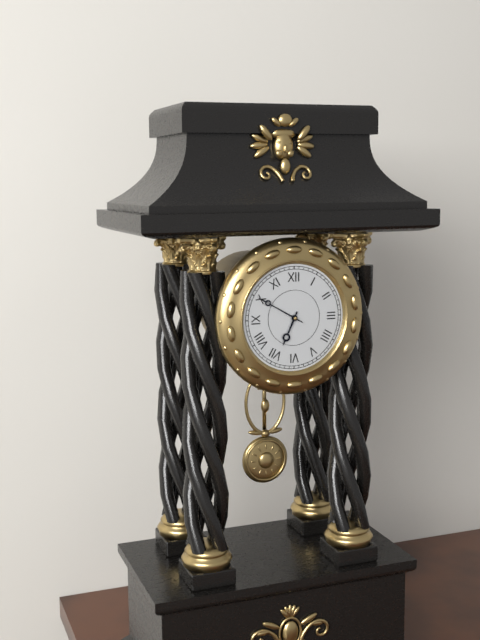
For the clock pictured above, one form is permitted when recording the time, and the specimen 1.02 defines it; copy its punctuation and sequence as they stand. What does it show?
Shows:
6.50
